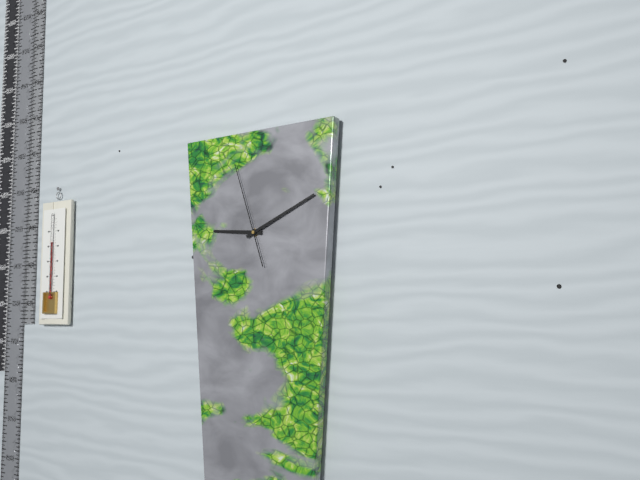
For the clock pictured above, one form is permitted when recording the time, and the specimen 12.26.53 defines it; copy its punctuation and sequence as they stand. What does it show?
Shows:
9.11.57
